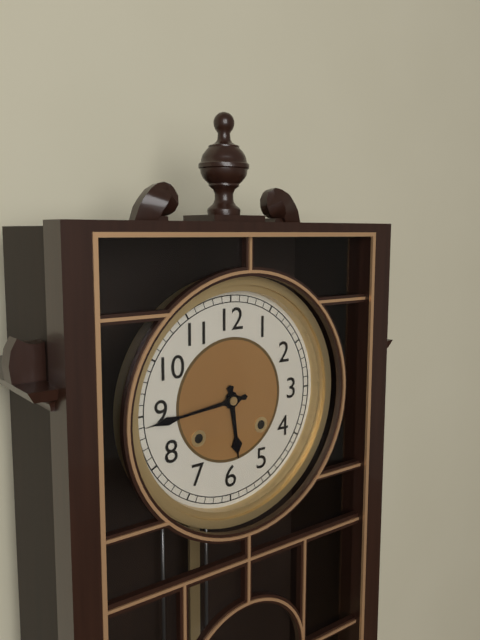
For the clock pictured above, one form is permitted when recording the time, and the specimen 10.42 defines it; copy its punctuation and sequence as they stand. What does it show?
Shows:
5.44
